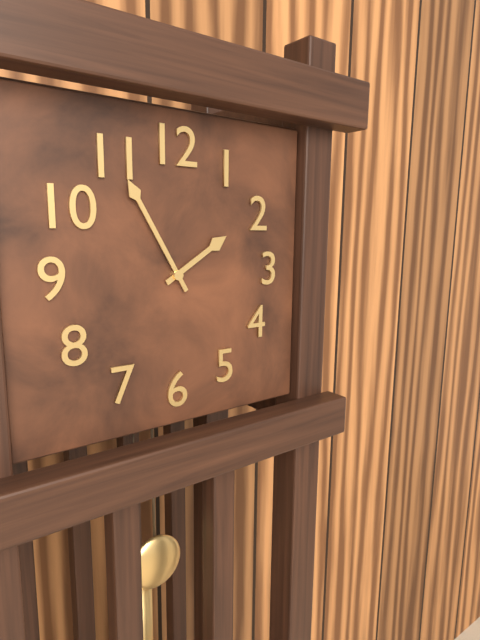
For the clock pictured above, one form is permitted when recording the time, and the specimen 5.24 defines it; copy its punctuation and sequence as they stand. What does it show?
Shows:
1.55
